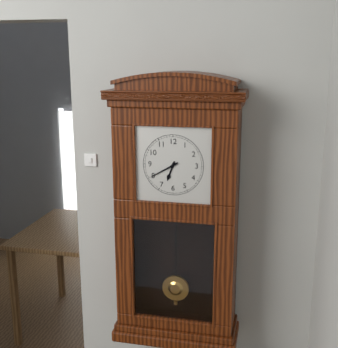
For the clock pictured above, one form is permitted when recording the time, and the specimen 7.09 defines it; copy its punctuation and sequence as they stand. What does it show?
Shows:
6.40
